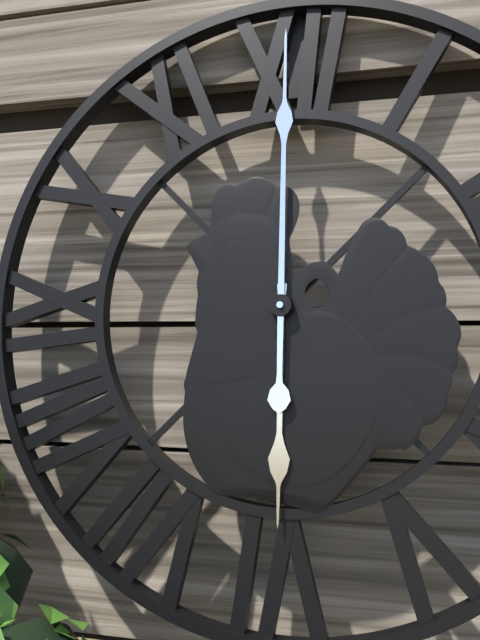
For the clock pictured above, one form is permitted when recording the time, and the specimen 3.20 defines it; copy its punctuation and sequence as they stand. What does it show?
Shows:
6.00
